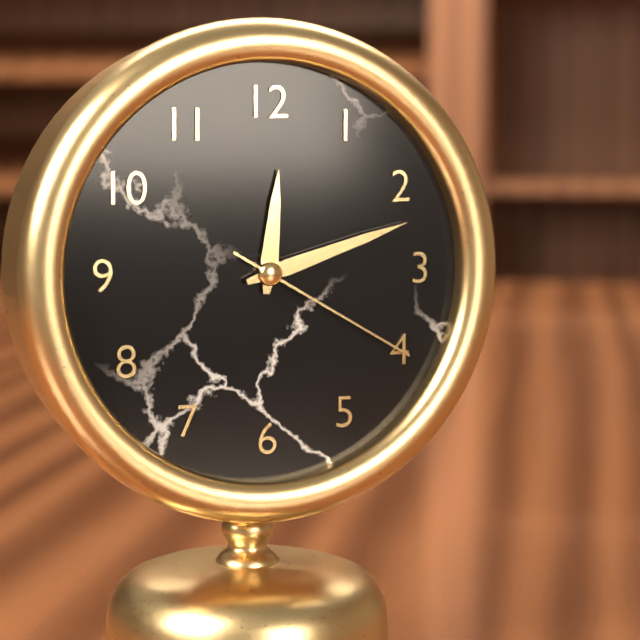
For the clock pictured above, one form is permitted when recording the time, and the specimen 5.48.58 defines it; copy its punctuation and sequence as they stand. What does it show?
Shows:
12.12.20
